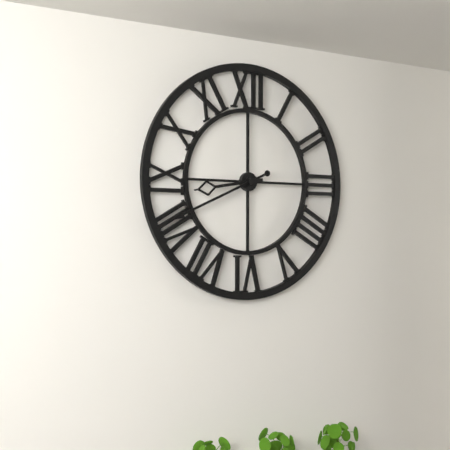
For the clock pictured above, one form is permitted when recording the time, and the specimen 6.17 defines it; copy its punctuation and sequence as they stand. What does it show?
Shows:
8.41
